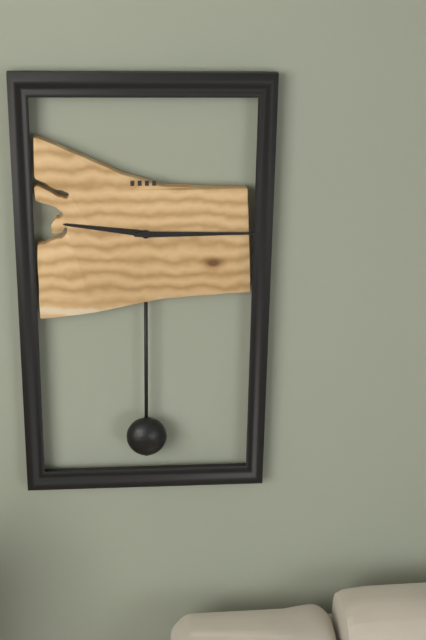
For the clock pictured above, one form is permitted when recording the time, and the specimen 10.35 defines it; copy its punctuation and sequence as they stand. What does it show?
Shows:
9.15
